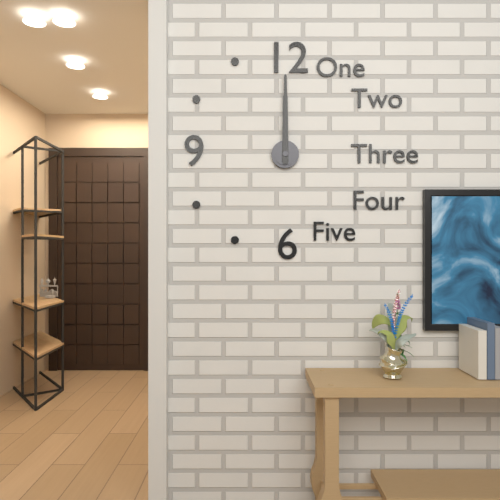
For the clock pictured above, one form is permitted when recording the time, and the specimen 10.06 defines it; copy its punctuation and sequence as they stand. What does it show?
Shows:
12.00
